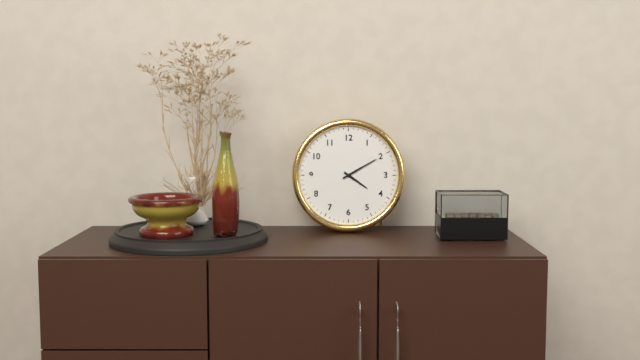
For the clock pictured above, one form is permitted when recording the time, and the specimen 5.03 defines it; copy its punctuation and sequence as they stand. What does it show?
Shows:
4.10
